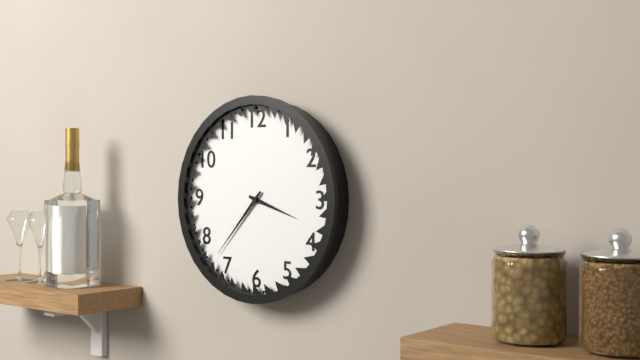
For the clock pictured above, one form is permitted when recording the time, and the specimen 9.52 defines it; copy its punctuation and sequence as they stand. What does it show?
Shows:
3.37
